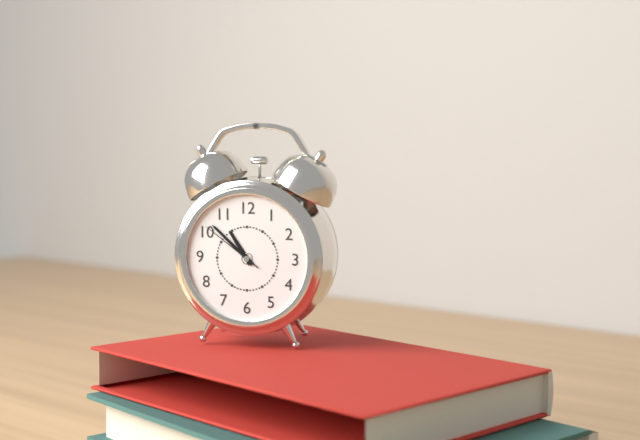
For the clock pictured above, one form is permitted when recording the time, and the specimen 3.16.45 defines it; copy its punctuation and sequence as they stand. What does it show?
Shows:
10.52.51
